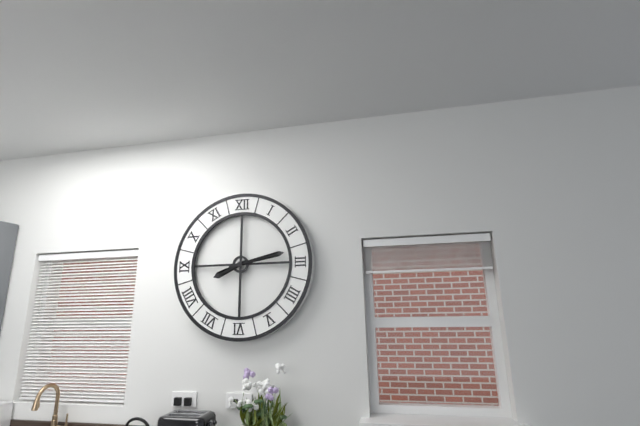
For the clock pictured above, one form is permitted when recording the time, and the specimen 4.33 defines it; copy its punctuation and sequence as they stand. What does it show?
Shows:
8.13
